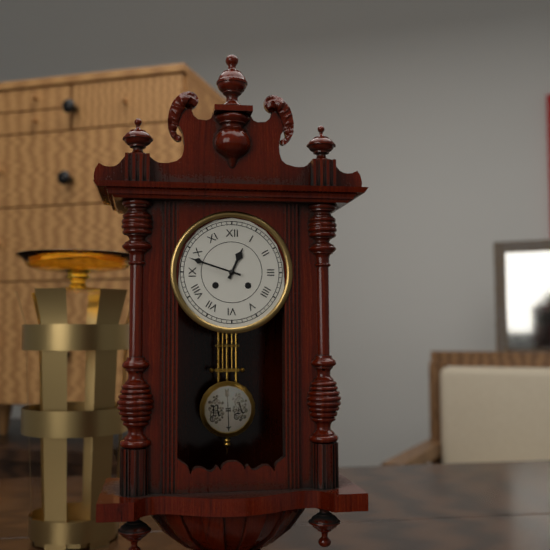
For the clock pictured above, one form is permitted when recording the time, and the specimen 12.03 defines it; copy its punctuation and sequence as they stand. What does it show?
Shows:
12.48
